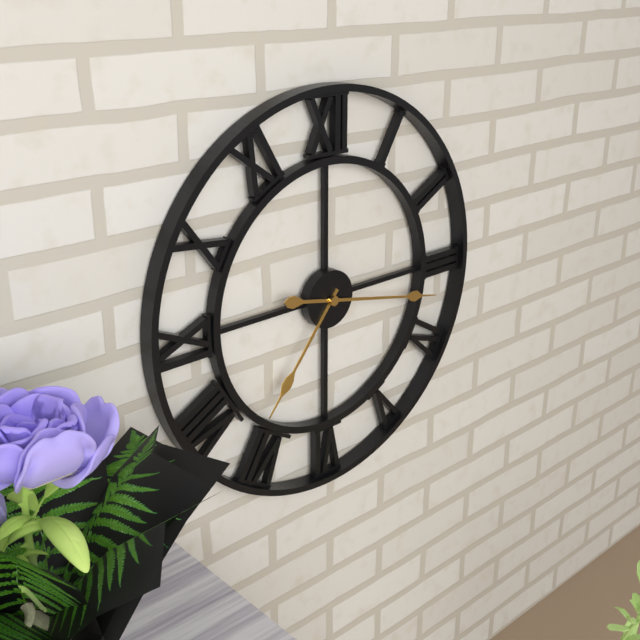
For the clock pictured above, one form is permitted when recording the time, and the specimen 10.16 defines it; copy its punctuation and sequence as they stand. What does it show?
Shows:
7.17
